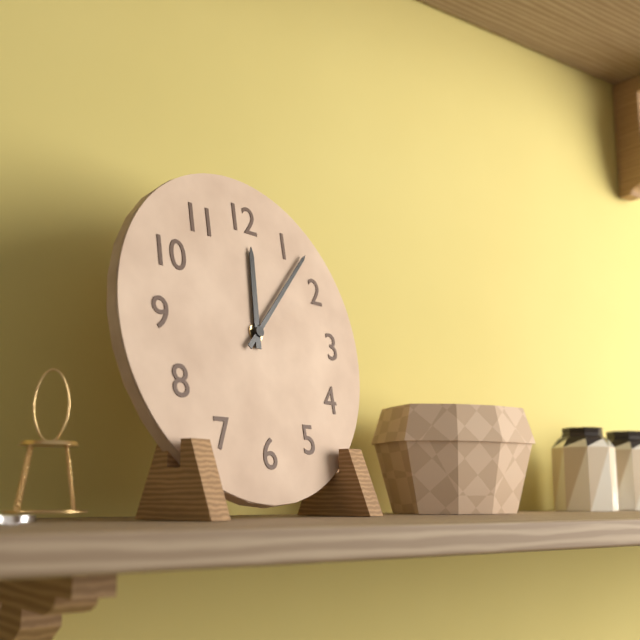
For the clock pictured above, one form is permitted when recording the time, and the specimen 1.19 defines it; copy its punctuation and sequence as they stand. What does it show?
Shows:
12.07
